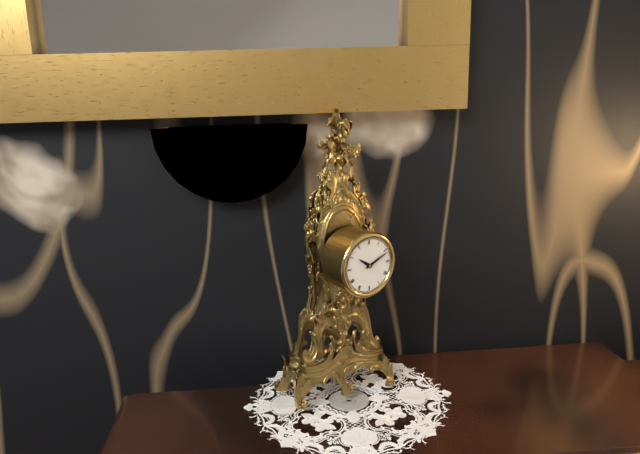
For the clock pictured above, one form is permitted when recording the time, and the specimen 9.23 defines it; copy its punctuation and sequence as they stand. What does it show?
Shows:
10.11
